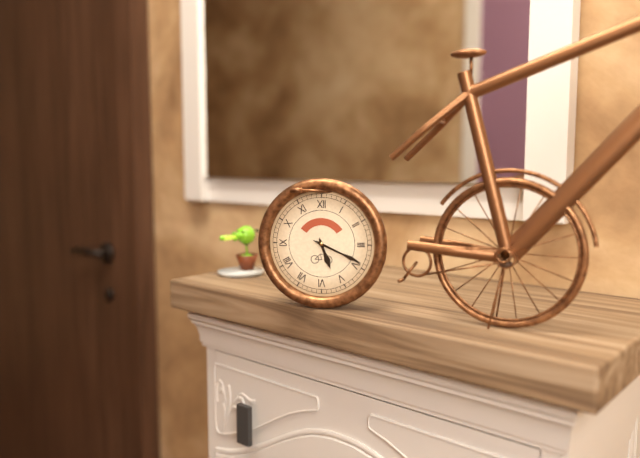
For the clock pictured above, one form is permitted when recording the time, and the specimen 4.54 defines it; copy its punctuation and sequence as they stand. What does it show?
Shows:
5.19
